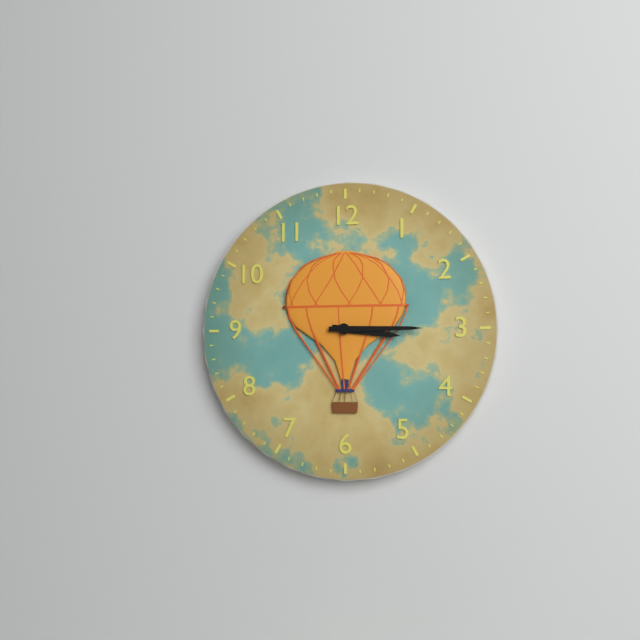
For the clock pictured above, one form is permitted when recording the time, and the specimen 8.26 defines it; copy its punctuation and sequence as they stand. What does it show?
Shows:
3.15
